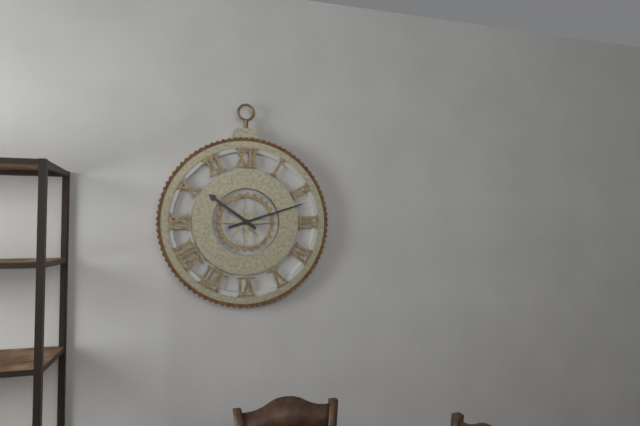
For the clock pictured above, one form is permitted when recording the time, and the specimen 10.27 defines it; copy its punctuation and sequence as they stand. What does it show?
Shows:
10.12
